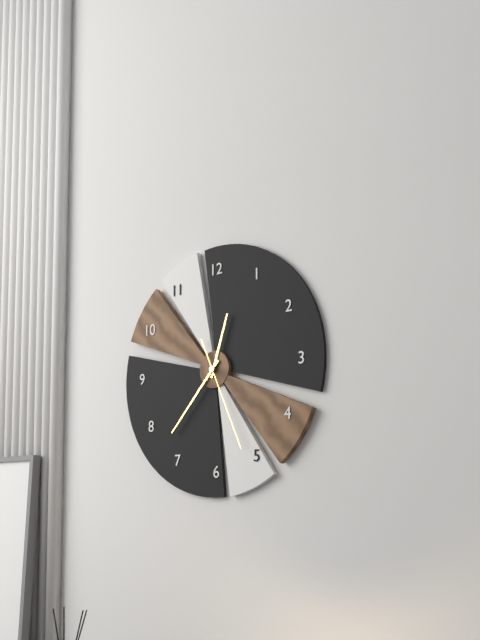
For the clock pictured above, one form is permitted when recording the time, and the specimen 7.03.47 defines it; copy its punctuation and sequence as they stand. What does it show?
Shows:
12.37.26
